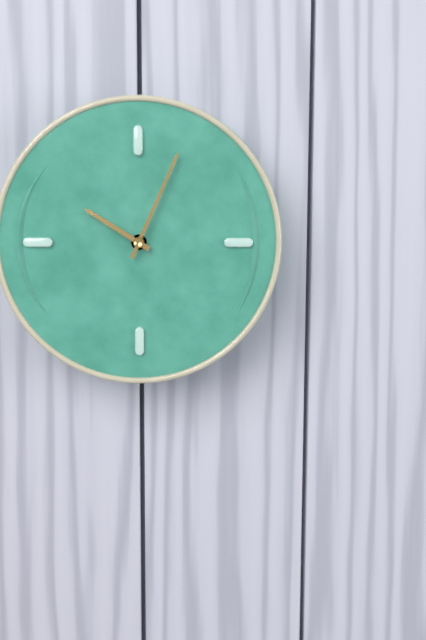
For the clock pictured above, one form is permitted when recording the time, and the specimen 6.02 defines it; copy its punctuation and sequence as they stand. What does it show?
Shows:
10.04
